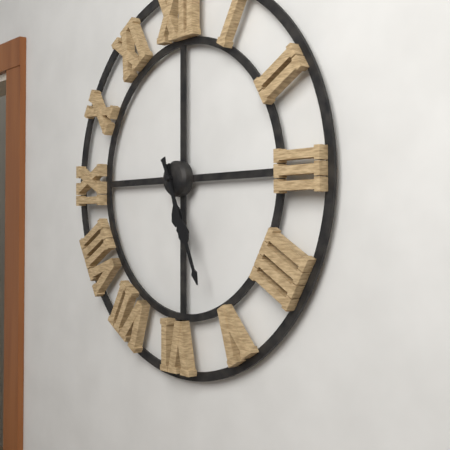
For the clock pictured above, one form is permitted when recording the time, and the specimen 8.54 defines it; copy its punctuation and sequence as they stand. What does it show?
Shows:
5.26
